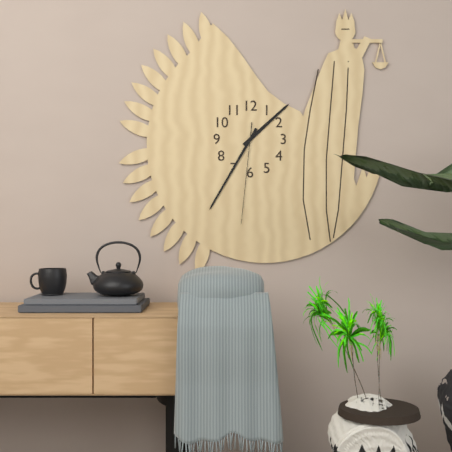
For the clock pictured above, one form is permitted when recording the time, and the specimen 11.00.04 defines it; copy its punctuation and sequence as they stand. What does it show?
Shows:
1.35.31
